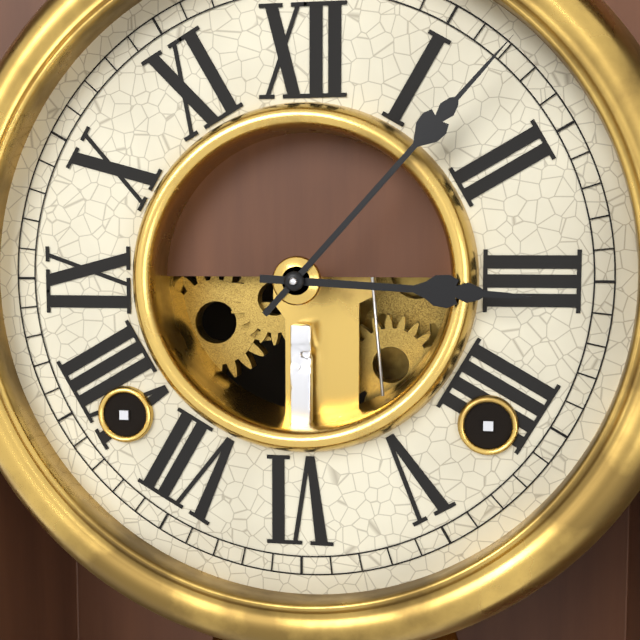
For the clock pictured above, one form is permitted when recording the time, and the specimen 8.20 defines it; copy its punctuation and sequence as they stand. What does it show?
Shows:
3.07
